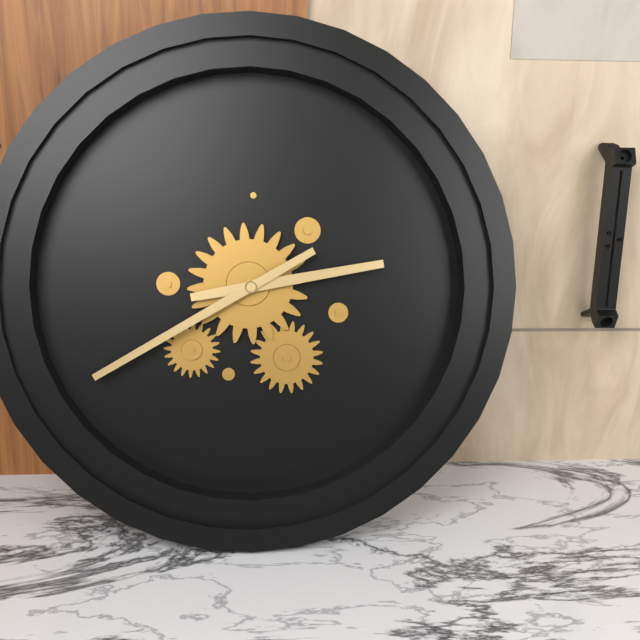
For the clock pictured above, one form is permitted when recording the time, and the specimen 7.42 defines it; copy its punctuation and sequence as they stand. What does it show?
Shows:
2.40
